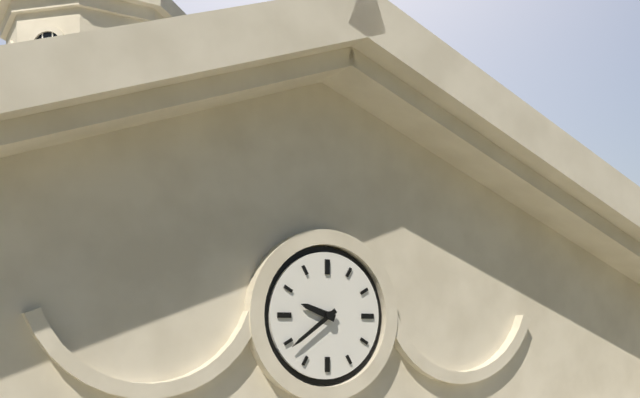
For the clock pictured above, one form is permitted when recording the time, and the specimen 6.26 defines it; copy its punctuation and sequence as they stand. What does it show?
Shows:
9.39
